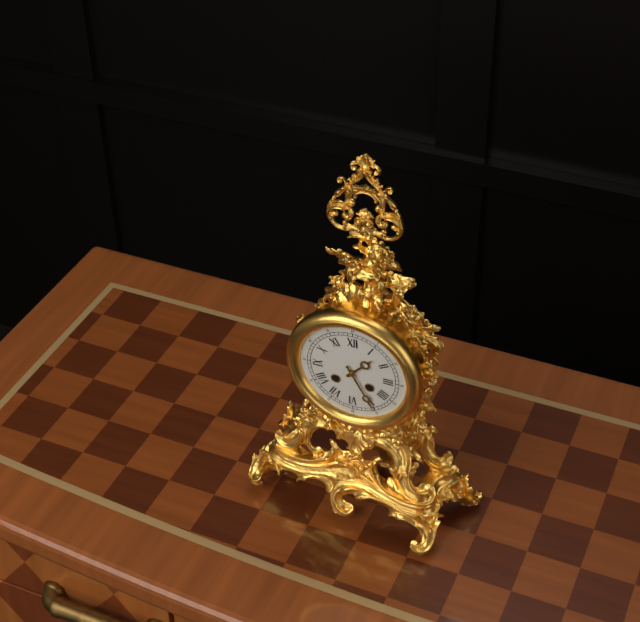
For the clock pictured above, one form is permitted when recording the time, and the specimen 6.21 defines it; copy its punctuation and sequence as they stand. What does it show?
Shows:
1.25
